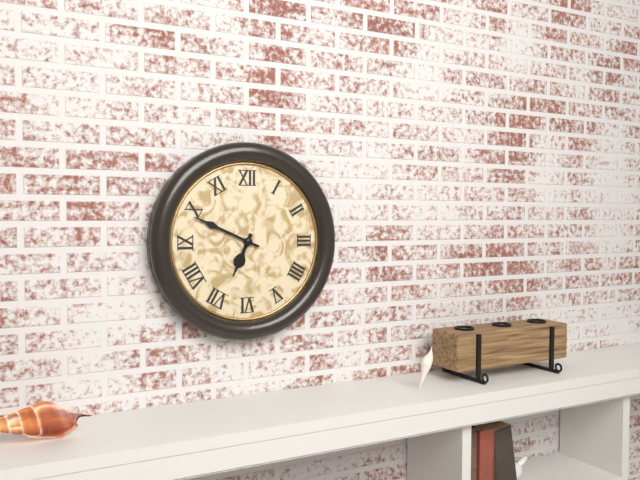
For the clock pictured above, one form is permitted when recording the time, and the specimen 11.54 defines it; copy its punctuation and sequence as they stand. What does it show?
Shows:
6.49
